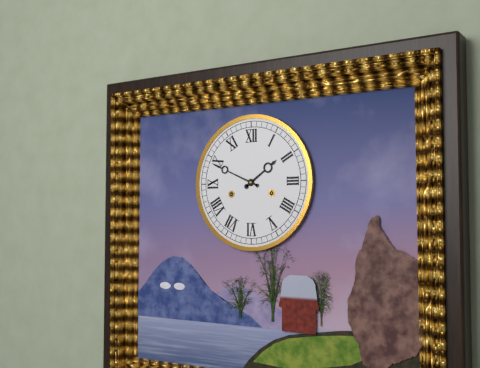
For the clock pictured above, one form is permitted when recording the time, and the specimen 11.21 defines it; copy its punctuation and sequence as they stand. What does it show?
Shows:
1.49
